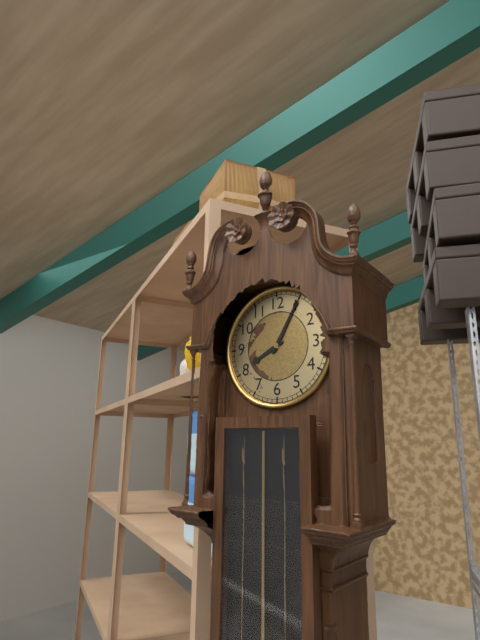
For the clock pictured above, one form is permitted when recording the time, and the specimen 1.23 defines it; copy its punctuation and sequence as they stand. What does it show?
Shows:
8.05
